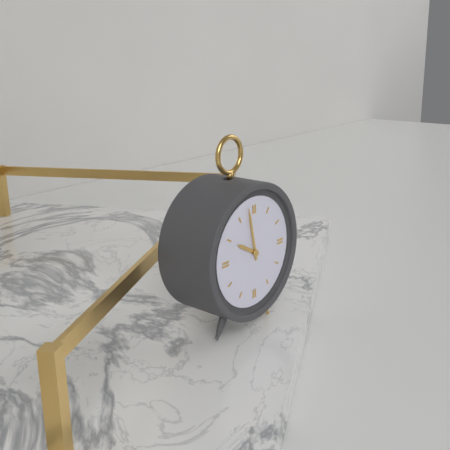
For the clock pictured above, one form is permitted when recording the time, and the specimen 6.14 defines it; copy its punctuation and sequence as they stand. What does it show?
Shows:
9.58
